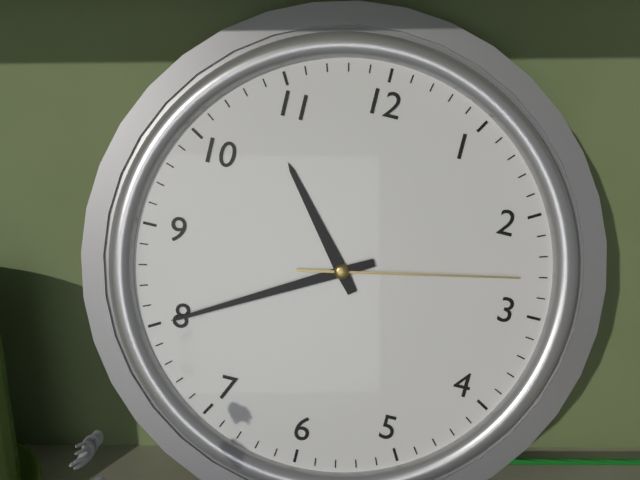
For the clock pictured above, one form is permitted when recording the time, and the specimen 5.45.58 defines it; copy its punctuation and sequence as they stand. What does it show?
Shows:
10.40.13
